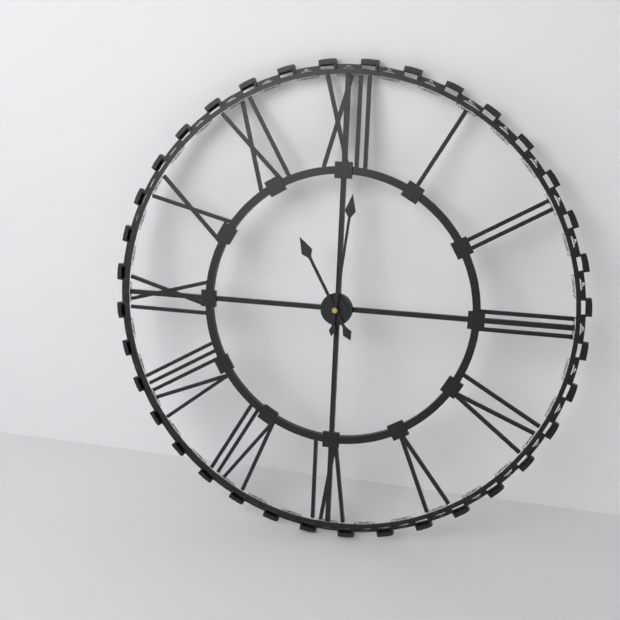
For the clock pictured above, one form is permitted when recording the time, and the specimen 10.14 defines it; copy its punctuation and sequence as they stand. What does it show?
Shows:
11.01
